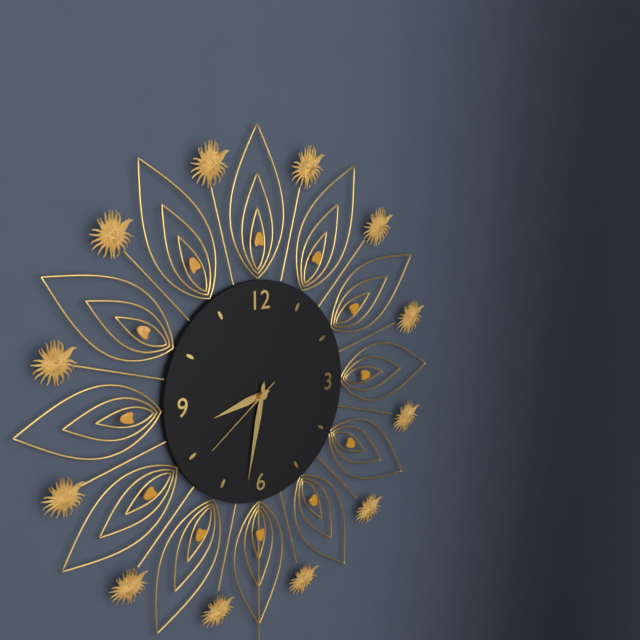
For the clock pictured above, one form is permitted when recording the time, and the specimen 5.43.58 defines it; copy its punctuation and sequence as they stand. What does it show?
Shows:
8.32.39
